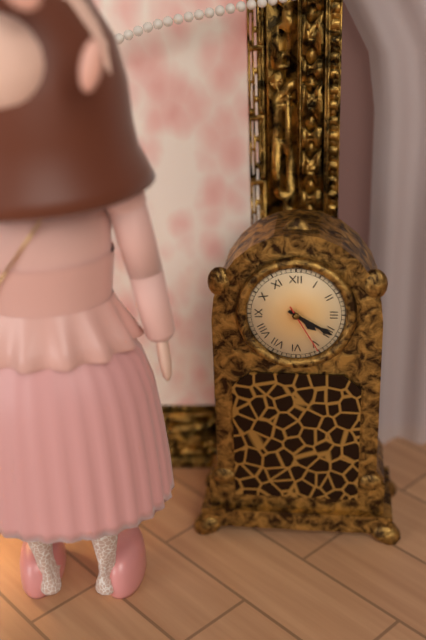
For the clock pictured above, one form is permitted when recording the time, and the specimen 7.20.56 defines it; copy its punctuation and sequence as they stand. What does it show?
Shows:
4.20.25
